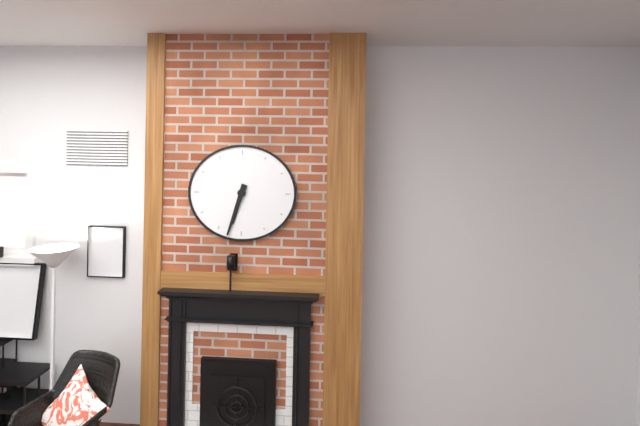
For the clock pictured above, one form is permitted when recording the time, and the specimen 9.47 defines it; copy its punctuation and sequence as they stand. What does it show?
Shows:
6.33
